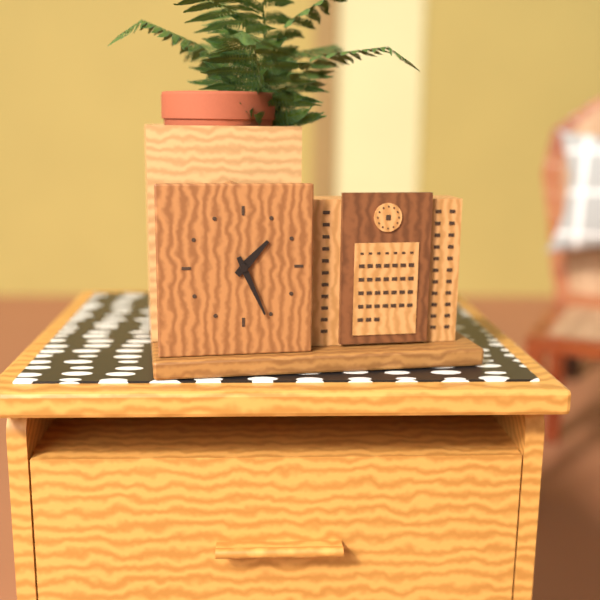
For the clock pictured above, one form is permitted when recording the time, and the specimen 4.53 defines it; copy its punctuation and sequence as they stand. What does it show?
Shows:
1.26
